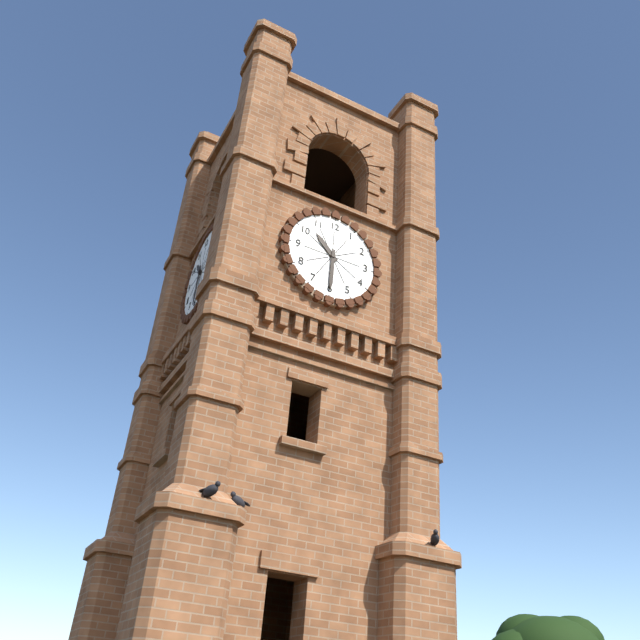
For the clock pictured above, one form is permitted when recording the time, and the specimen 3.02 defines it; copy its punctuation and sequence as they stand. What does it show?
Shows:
10.30
